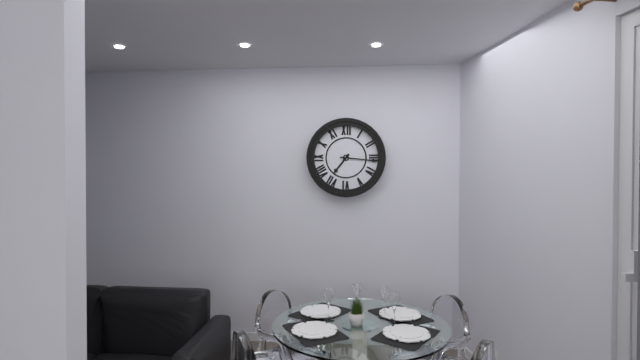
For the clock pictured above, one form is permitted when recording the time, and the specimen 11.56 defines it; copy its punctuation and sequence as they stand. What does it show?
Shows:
7.16
